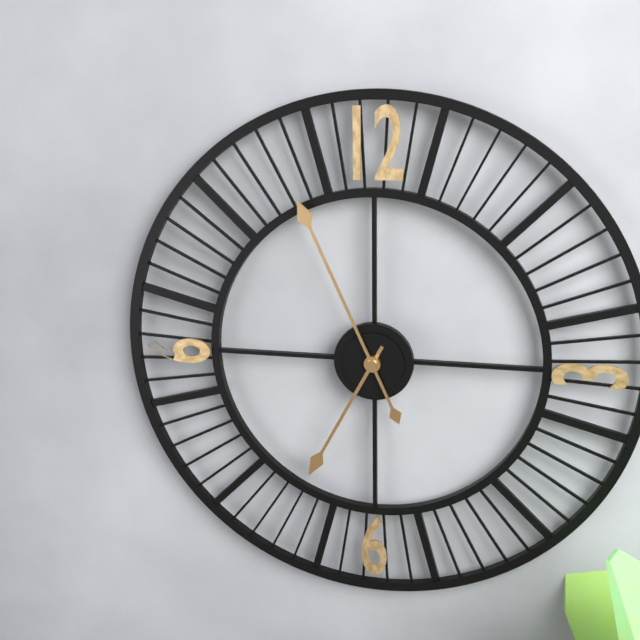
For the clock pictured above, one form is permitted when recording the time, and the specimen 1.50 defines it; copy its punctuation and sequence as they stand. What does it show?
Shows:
6.56
